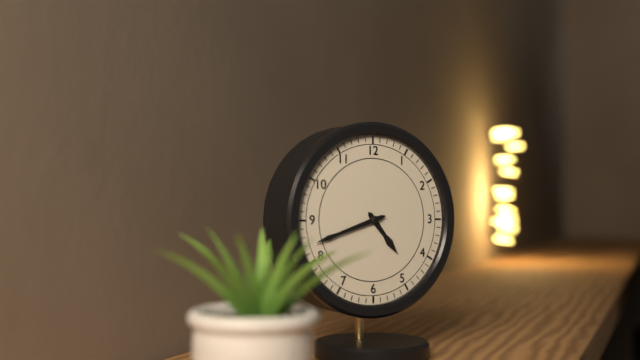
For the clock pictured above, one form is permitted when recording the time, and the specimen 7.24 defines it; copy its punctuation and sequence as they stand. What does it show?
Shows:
4.42
